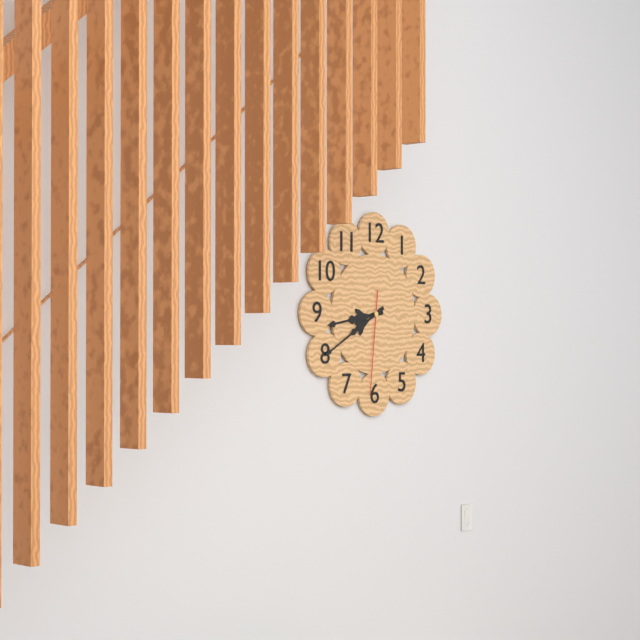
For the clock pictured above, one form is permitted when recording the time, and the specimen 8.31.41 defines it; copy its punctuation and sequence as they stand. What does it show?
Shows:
8.40.31
